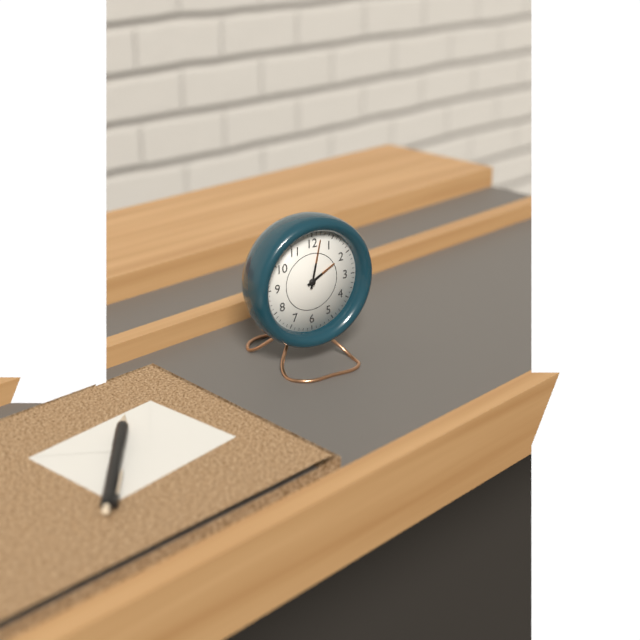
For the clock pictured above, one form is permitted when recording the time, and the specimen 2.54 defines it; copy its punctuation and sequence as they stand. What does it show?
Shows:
2.02
